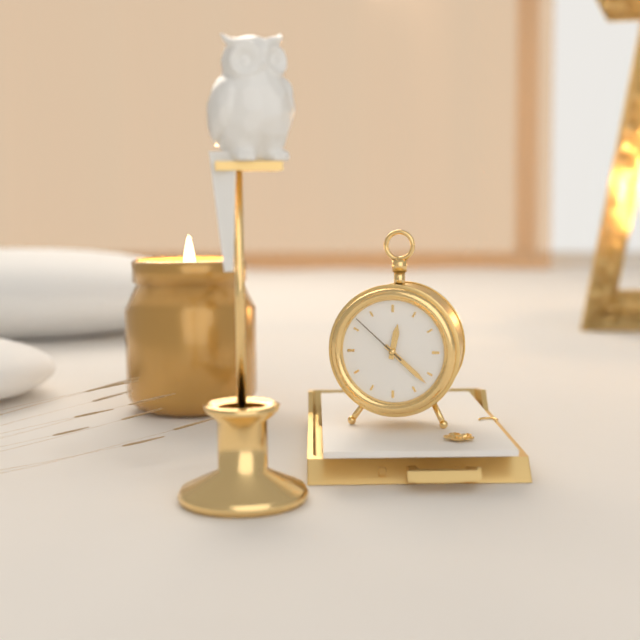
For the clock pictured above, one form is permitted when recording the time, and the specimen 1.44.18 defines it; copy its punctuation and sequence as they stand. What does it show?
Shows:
12.22.52
